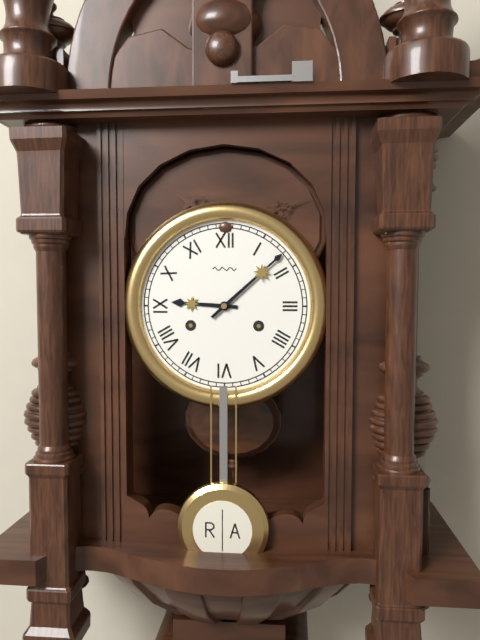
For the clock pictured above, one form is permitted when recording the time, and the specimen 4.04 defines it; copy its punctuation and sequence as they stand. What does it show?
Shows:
9.08
